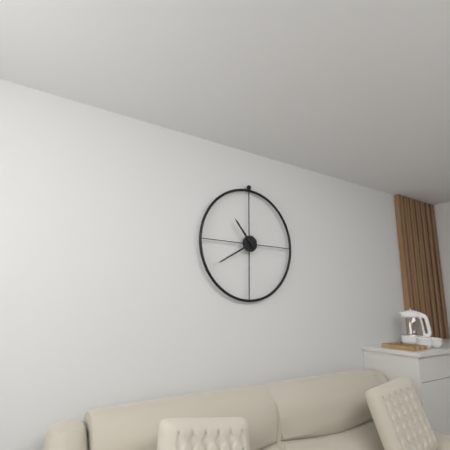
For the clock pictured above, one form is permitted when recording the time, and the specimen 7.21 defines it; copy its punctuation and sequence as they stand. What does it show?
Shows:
10.40
